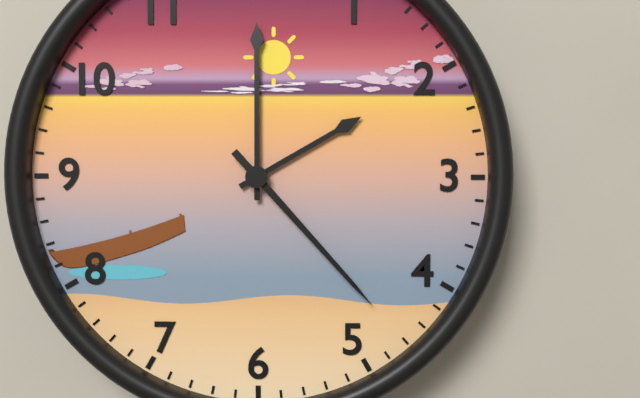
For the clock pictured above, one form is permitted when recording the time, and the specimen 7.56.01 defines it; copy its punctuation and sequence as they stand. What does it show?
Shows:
2.00.23
